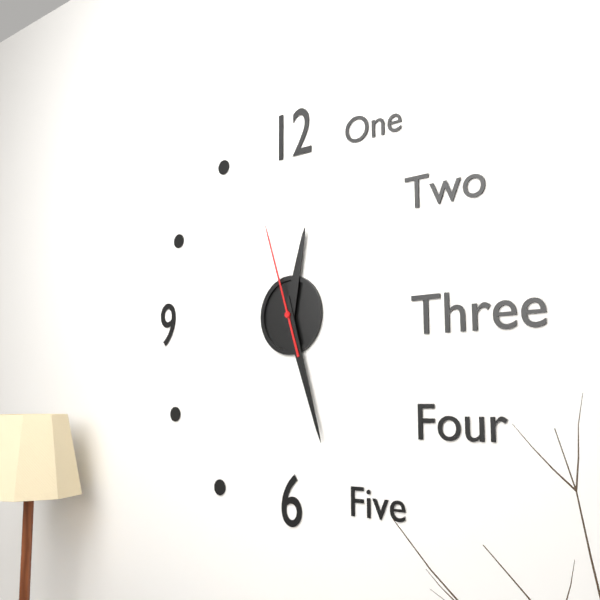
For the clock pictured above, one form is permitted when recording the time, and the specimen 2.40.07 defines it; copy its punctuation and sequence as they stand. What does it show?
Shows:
12.27.57
